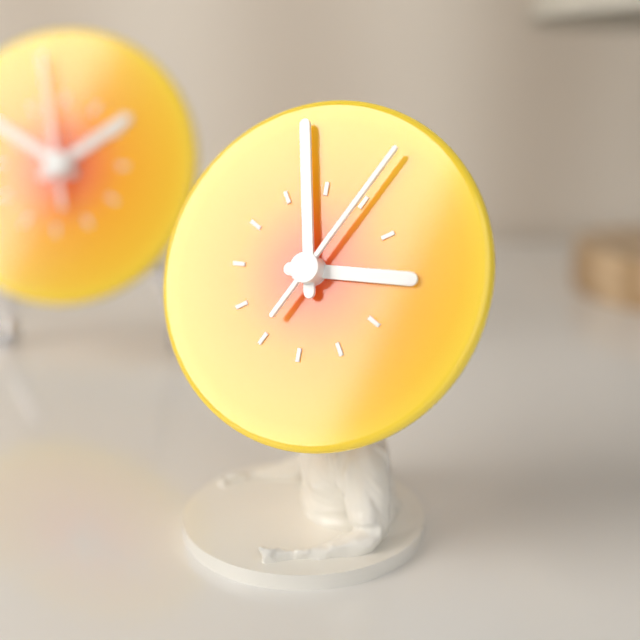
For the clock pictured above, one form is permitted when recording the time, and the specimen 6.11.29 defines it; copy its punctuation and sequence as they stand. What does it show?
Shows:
2.58.05
